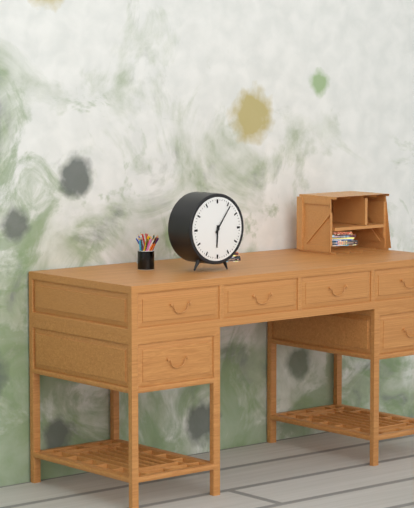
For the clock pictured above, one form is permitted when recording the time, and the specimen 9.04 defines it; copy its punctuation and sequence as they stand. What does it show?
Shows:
6.06
